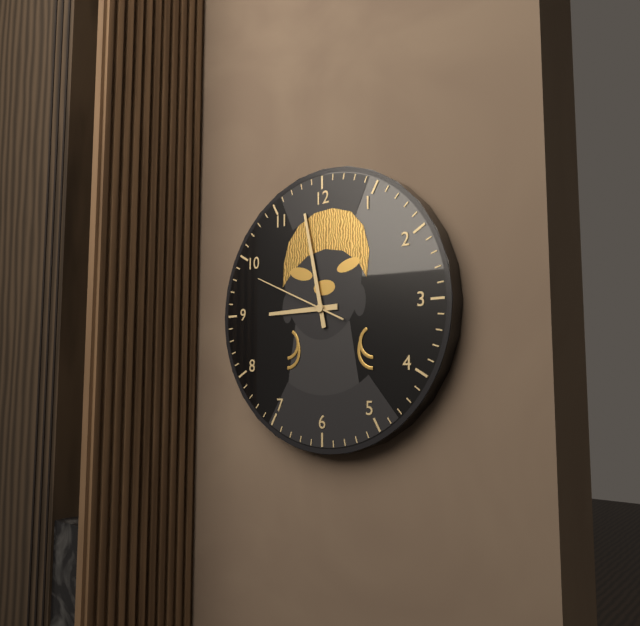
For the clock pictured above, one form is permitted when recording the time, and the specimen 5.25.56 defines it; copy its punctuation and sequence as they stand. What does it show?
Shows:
8.58.49
